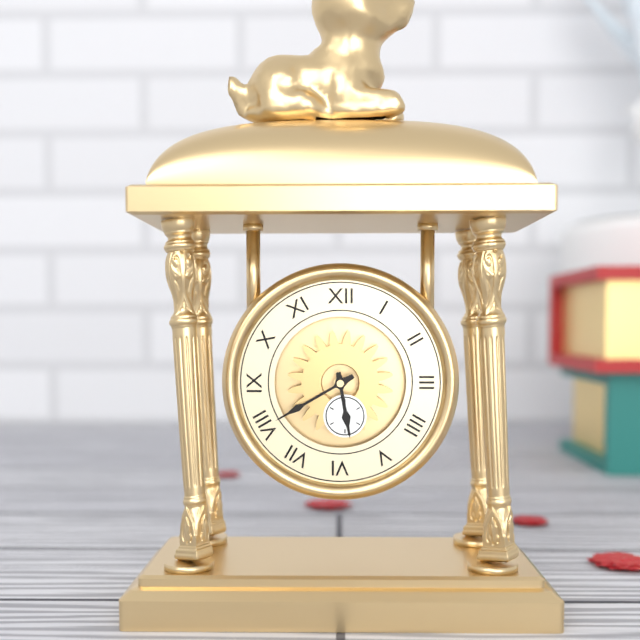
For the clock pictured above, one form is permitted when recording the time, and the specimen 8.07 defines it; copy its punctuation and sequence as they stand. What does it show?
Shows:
5.40
